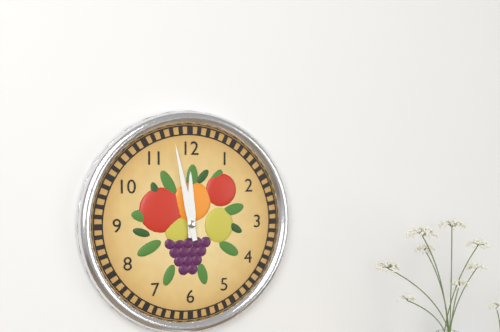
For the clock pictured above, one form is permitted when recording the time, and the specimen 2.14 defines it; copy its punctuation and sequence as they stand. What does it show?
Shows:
11.58
